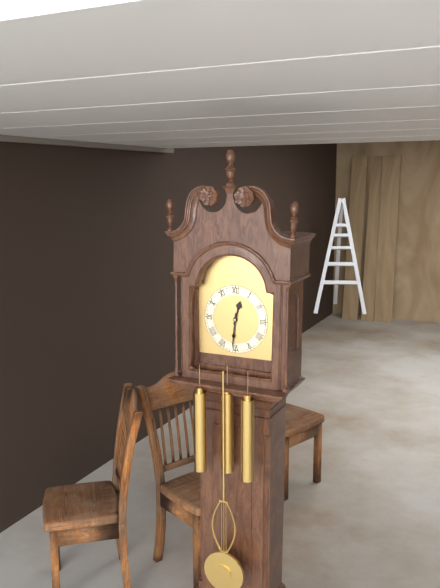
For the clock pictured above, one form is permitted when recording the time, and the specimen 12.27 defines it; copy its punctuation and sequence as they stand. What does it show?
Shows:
12.31
